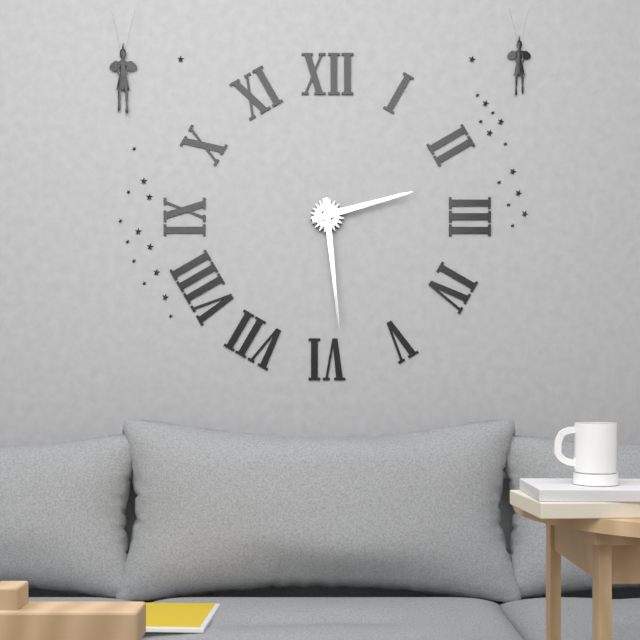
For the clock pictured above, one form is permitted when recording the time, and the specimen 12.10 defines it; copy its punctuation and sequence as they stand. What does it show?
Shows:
2.29
